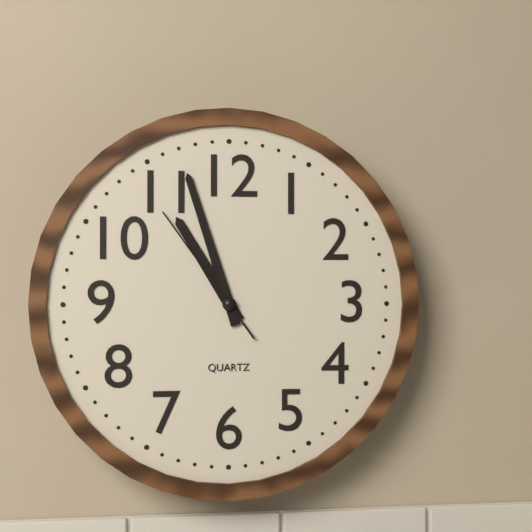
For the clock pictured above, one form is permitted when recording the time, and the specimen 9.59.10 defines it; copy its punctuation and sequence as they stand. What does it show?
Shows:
10.57.54
